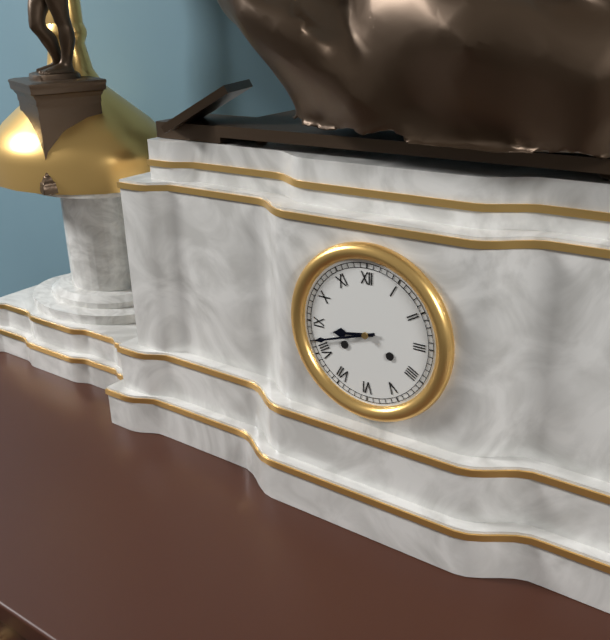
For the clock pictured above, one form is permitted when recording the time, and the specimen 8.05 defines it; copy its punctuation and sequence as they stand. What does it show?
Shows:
8.42
